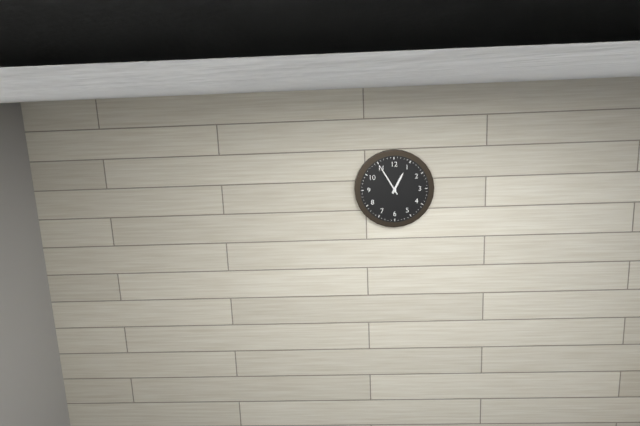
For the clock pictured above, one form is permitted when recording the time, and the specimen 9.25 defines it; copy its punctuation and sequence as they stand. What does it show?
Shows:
12.55
